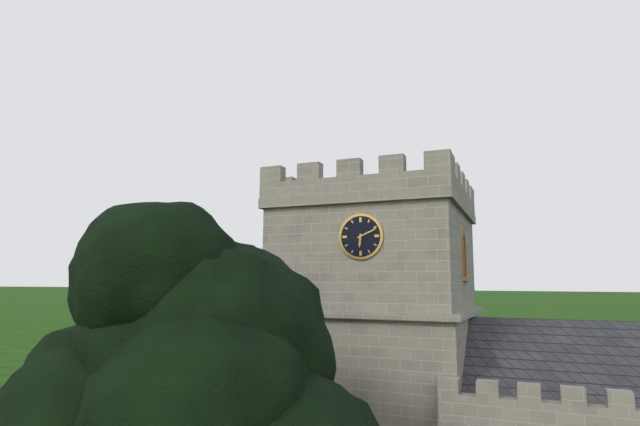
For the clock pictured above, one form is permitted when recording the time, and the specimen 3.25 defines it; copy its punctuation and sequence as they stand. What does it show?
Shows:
6.11
